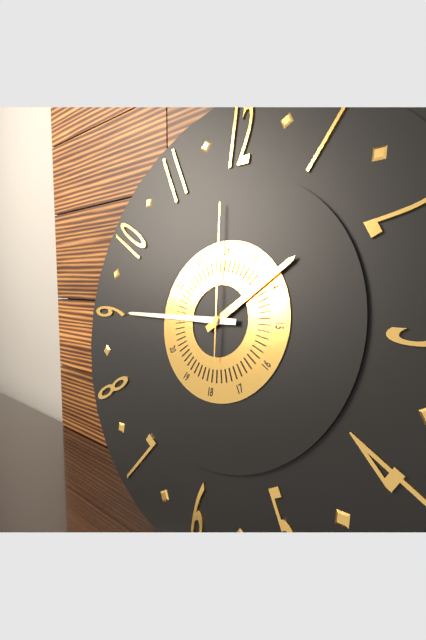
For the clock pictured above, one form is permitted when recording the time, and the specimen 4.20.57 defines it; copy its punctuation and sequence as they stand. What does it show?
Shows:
1.45.59
